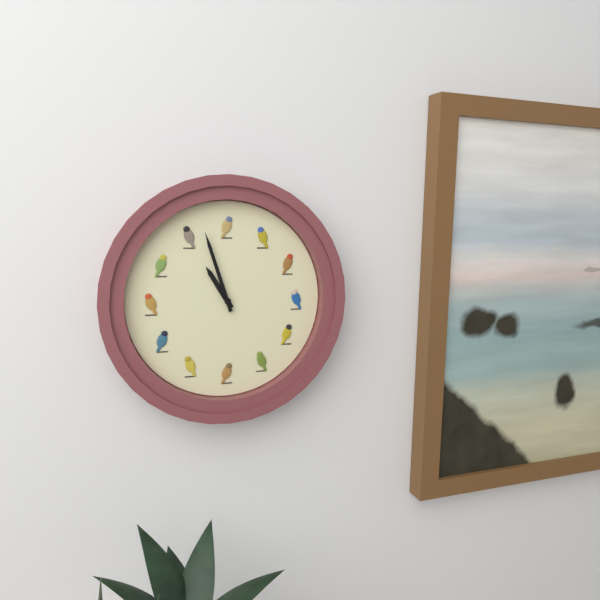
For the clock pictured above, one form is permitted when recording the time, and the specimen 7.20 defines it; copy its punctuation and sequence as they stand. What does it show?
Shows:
10.57
